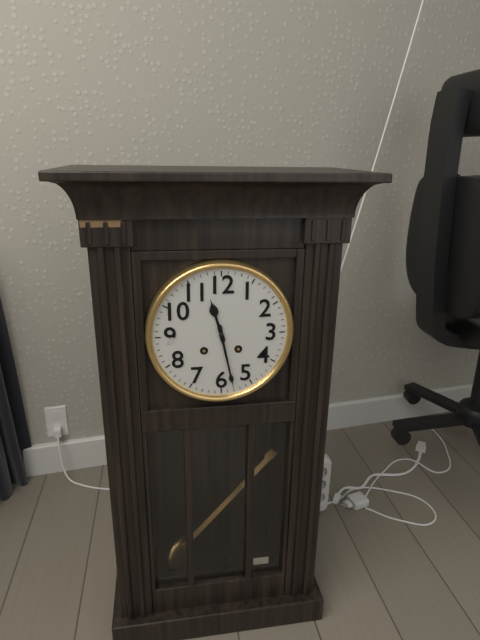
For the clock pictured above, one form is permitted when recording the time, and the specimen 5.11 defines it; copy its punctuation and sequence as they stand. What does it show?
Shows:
11.28
